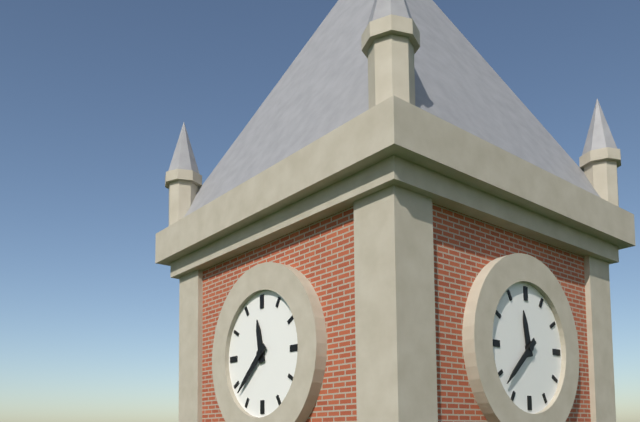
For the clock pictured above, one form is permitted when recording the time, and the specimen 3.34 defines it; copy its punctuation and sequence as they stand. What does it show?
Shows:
11.38
